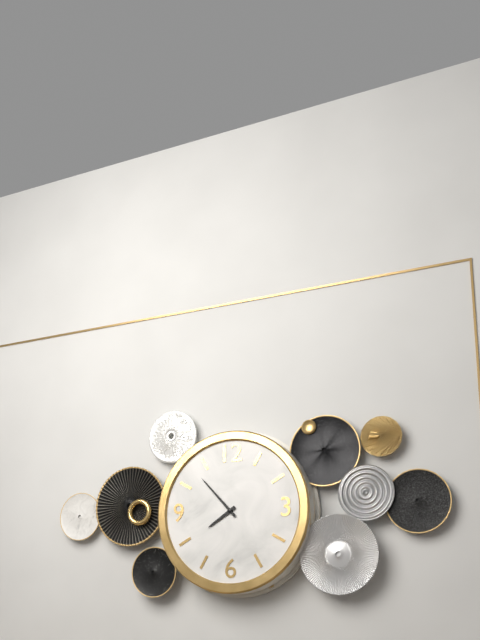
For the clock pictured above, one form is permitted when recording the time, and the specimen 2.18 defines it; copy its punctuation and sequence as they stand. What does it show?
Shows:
7.53
